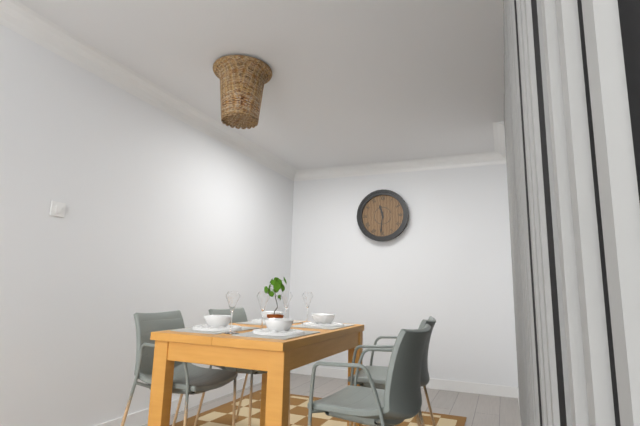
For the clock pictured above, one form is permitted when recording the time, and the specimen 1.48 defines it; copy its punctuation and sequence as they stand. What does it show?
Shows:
11.31
